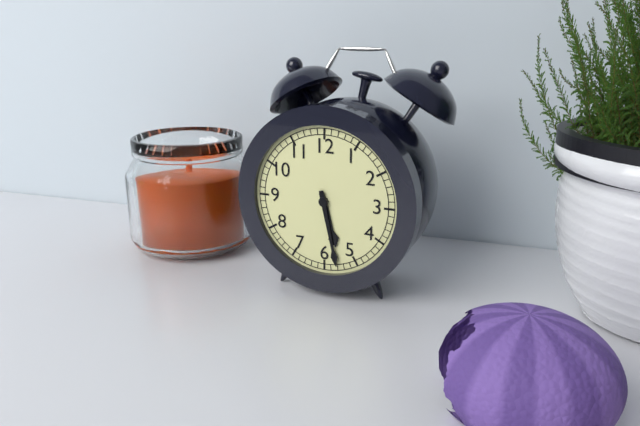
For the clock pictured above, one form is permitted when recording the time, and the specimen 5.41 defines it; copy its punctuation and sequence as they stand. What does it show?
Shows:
5.28
